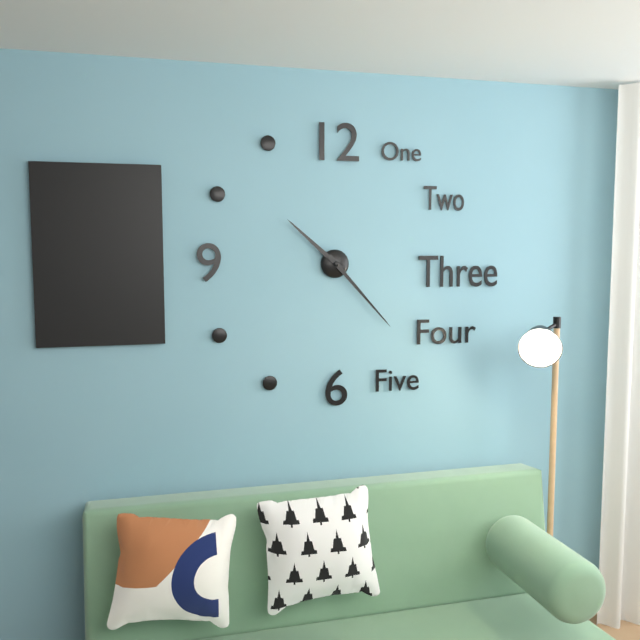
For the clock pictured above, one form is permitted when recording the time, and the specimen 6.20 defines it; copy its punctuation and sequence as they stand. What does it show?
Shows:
10.23
